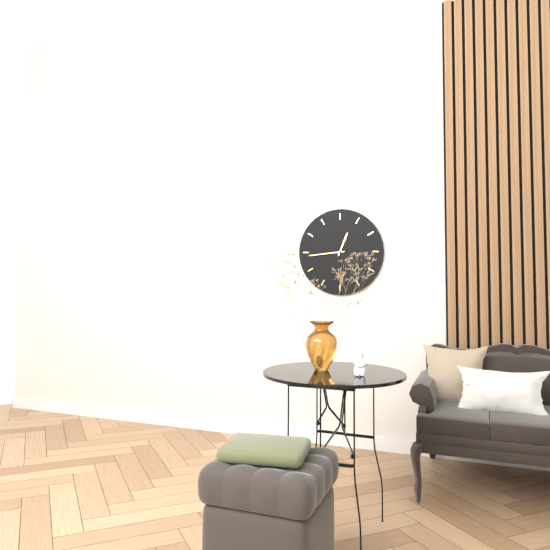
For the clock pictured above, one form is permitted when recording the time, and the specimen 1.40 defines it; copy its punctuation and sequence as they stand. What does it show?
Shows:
12.44
